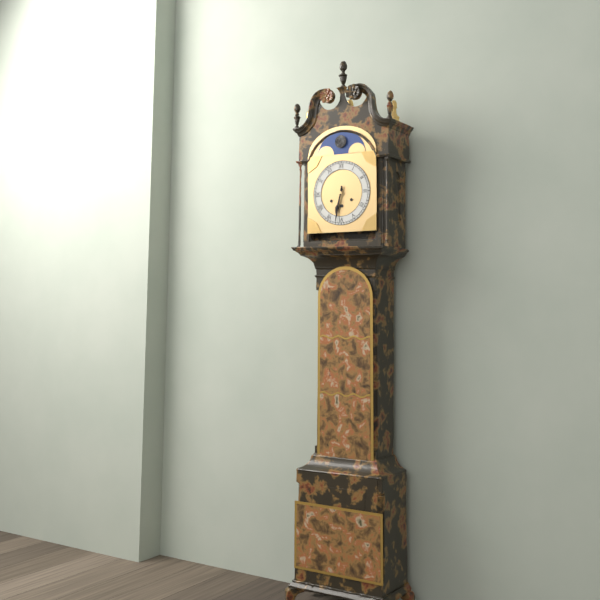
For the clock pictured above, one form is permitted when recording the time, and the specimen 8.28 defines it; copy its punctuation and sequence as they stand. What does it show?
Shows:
6.32
